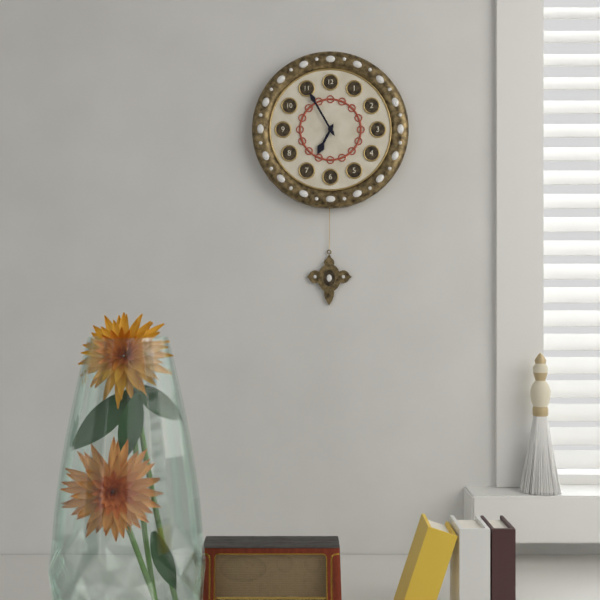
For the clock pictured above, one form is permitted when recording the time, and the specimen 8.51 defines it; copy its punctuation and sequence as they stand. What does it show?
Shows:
6.55
